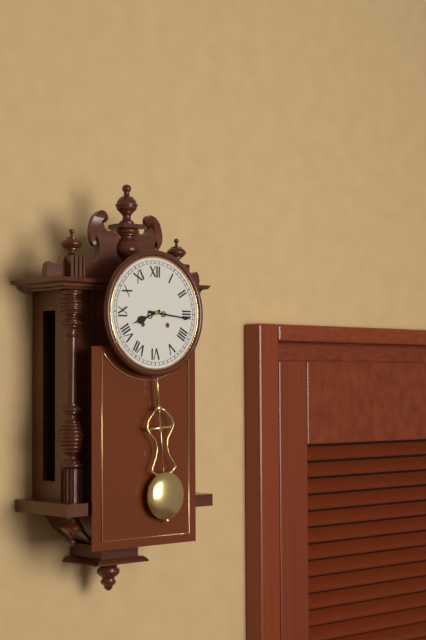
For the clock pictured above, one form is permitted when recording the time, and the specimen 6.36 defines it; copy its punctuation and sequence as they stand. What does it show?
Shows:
8.16
